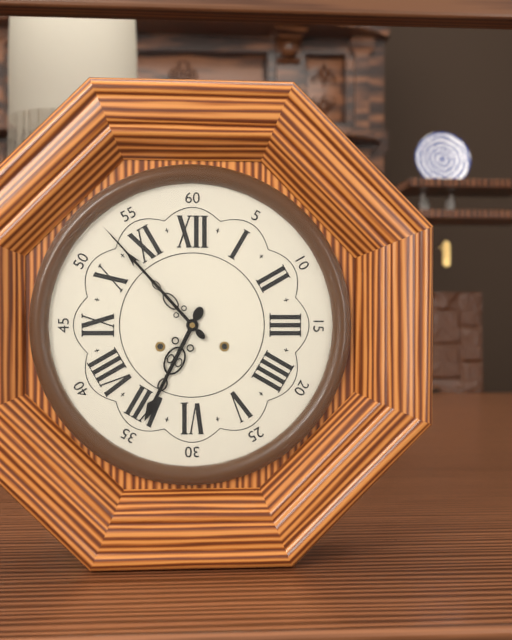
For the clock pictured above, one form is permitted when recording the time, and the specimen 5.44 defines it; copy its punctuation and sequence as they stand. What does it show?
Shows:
6.53
